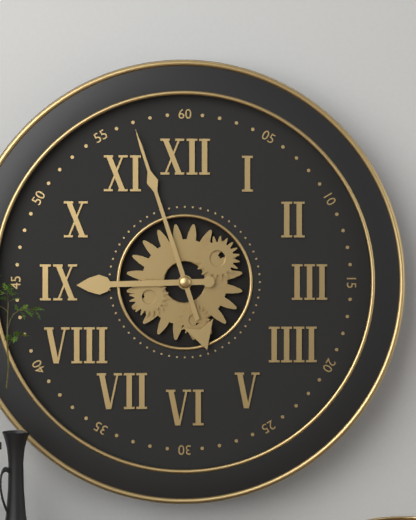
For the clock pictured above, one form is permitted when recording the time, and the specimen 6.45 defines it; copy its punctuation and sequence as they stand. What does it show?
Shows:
8.57
